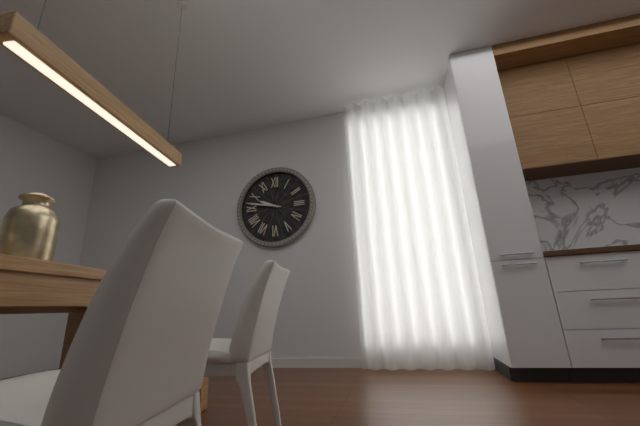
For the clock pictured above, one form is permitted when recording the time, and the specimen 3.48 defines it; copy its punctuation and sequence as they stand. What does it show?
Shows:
9.47
